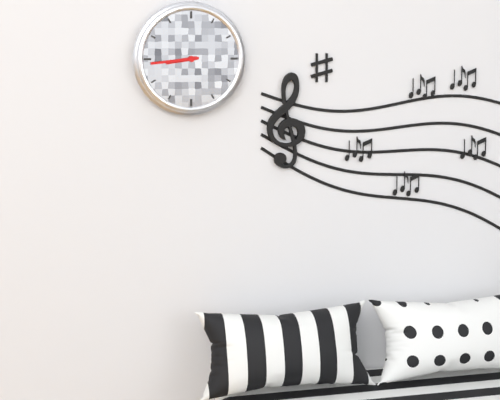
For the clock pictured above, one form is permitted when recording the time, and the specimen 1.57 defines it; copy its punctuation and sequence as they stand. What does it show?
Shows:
8.44
